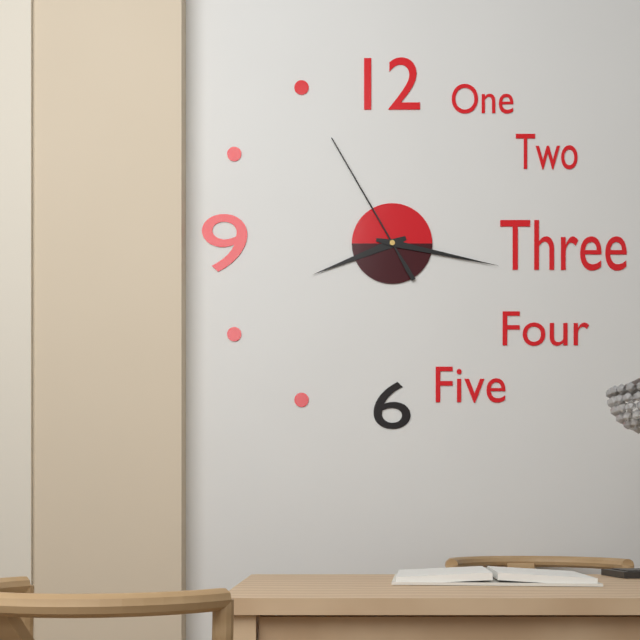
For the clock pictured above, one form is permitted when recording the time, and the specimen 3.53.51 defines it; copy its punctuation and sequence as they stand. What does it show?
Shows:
8.17.55
